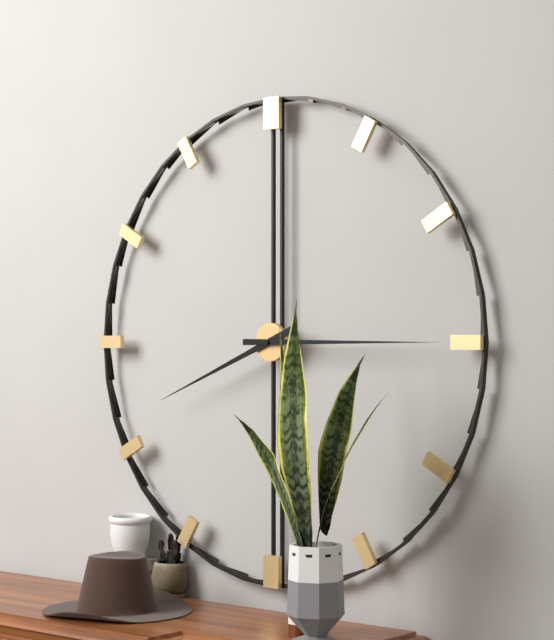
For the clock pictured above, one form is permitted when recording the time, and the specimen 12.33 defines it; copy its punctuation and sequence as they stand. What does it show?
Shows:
8.15
